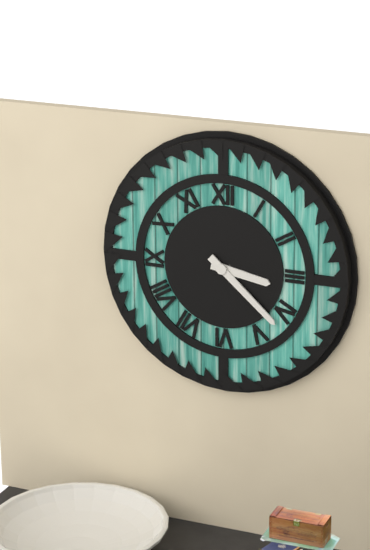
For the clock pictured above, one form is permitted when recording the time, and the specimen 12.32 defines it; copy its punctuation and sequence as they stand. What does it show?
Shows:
3.22
